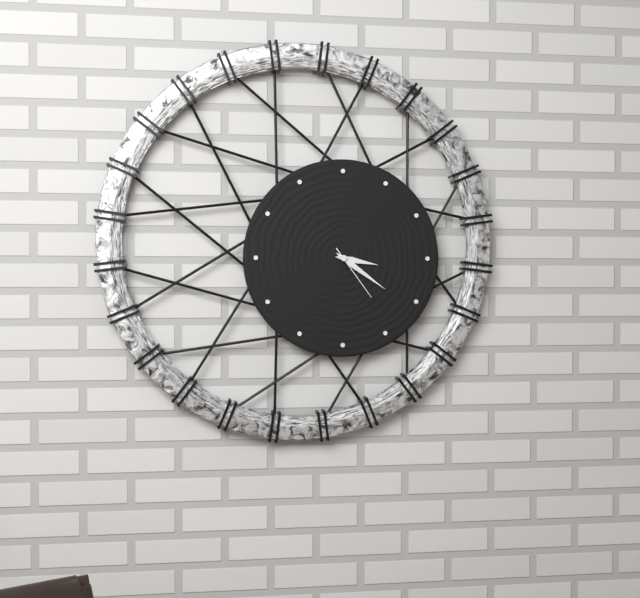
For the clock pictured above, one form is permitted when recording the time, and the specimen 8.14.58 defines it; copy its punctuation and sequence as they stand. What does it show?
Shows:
3.21.24
